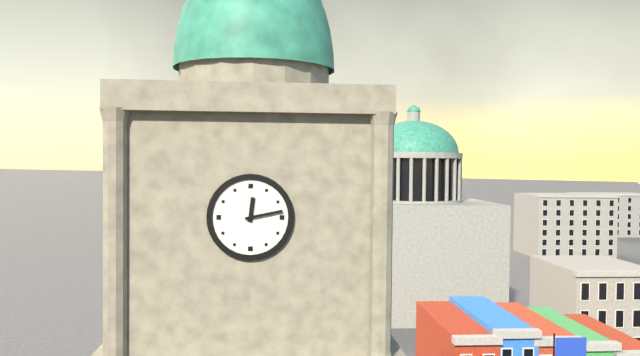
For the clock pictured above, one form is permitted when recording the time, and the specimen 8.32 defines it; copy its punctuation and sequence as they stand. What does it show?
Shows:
12.13
